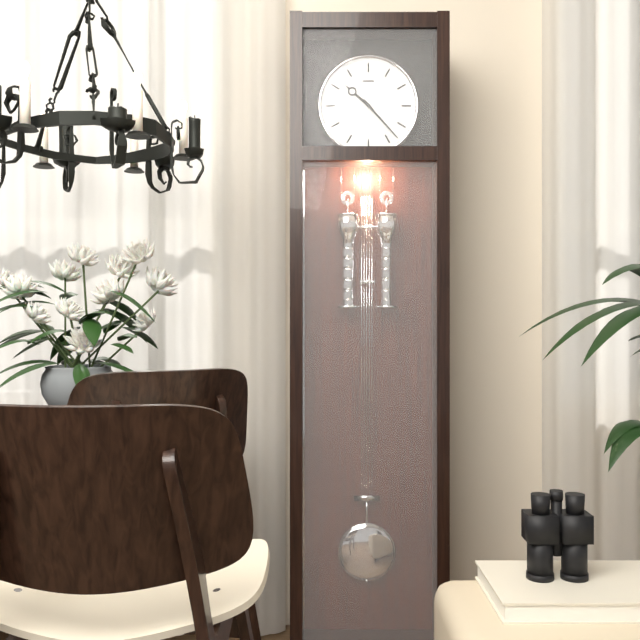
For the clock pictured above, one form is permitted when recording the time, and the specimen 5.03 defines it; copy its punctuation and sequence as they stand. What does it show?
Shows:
10.23
